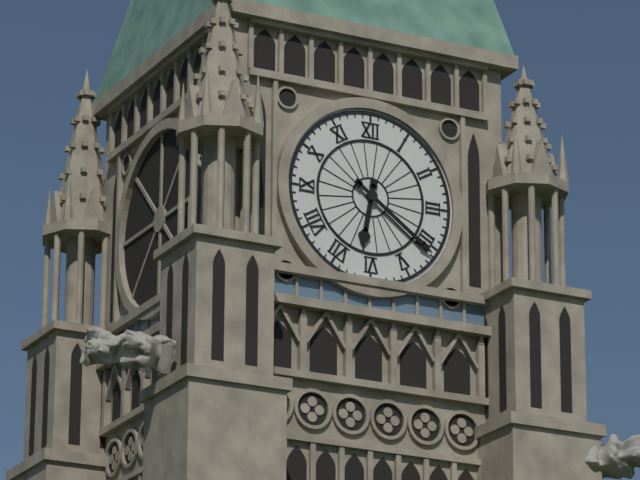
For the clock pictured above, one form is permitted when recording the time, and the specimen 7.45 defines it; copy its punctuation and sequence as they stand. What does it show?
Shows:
6.21
